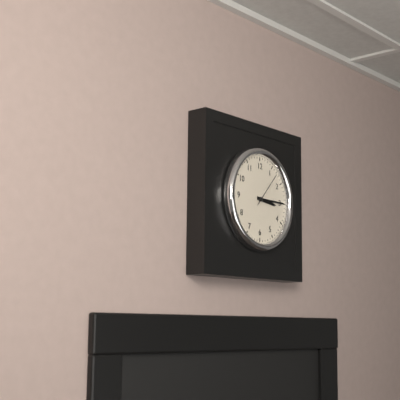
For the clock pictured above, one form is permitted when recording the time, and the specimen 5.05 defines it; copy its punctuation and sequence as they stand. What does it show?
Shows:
3.15
